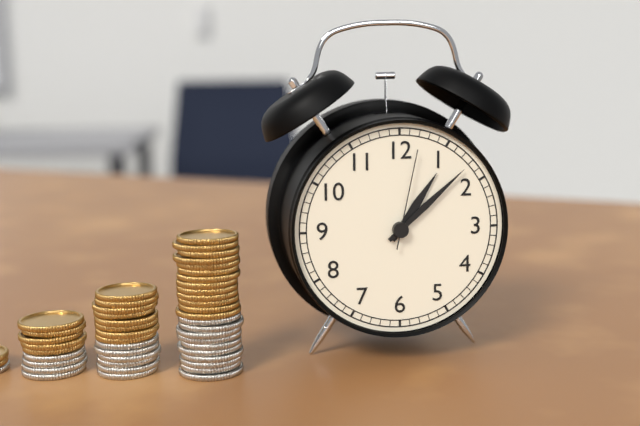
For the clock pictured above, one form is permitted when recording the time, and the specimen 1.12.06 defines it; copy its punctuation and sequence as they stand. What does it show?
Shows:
1.08.02
